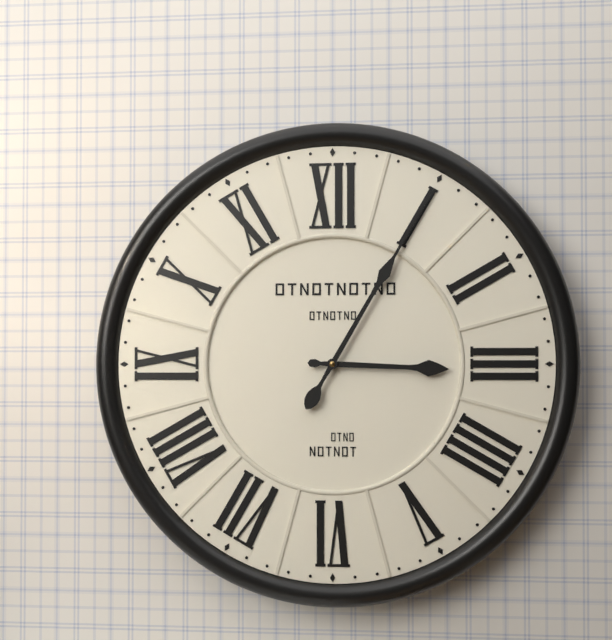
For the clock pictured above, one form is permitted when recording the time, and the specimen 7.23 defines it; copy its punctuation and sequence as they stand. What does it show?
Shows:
3.05
